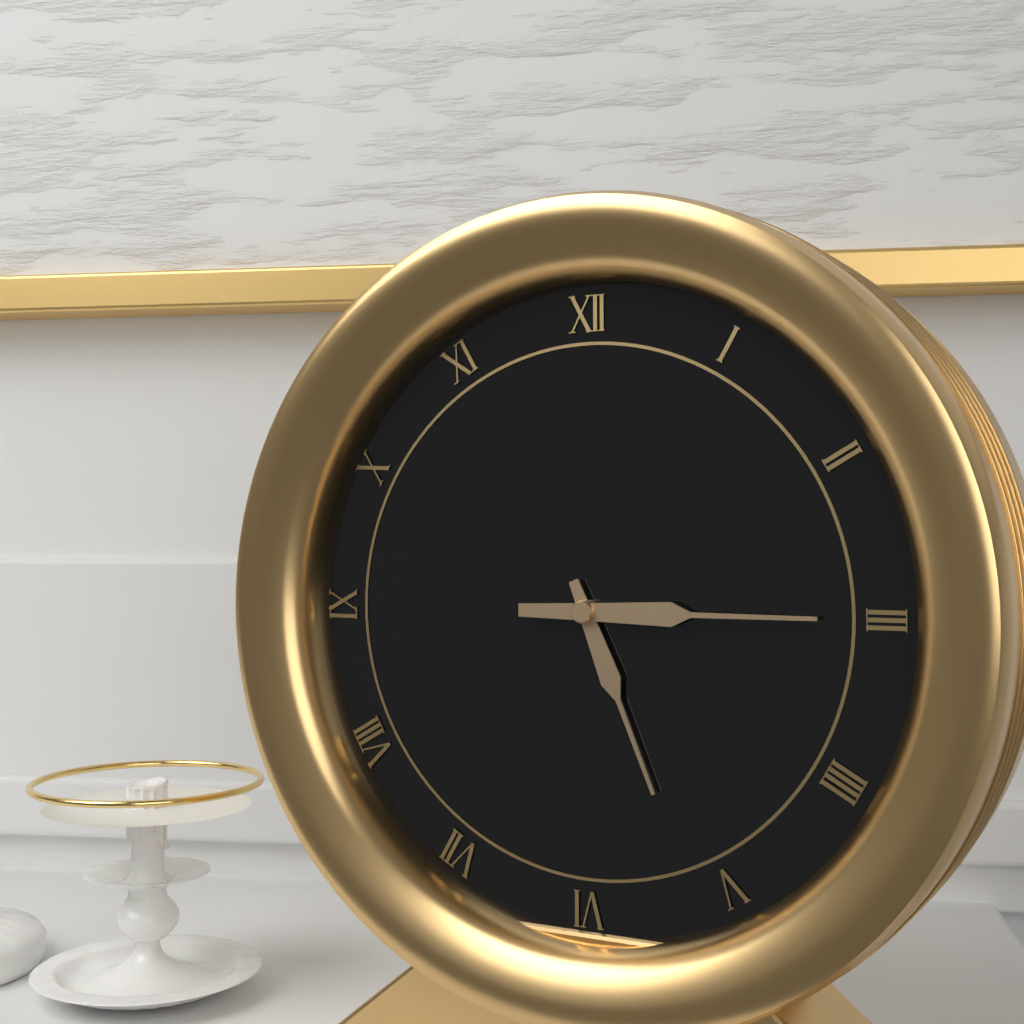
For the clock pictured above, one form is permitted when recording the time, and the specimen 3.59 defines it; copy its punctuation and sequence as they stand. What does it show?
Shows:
5.15
